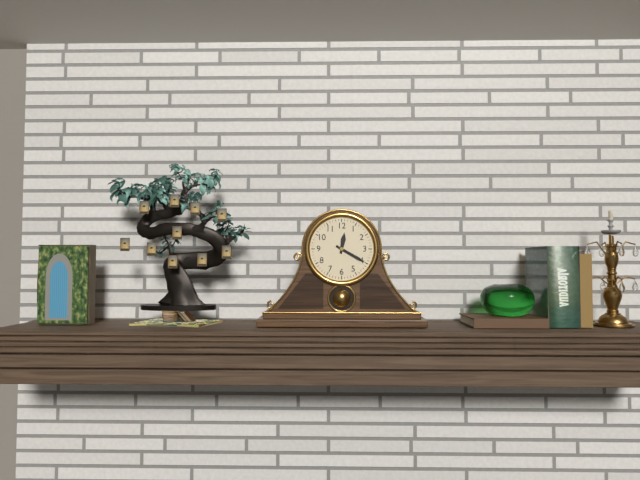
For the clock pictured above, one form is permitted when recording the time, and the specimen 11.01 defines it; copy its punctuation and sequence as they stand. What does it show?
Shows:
12.20
